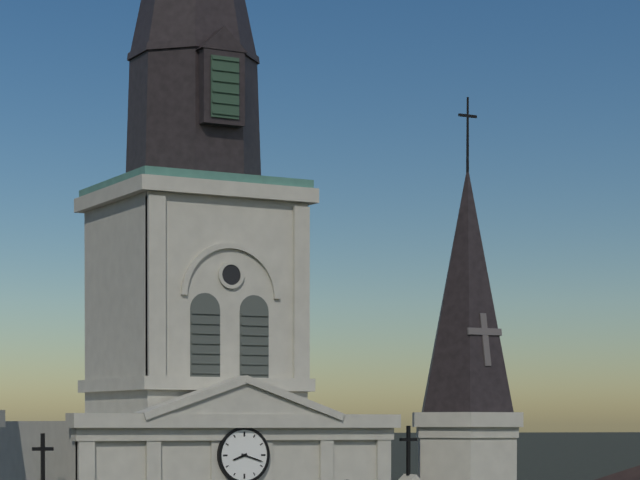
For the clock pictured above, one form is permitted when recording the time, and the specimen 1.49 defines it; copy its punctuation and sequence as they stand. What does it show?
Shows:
8.18
